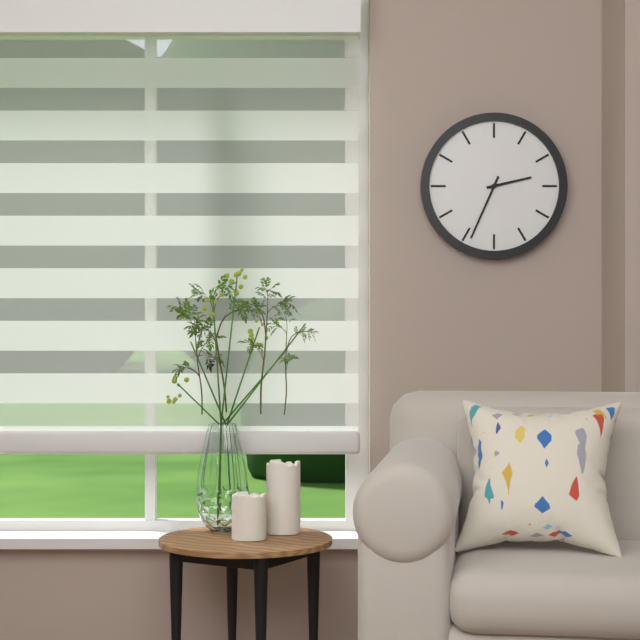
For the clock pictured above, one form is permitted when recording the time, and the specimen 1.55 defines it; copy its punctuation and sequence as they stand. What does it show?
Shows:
2.34
